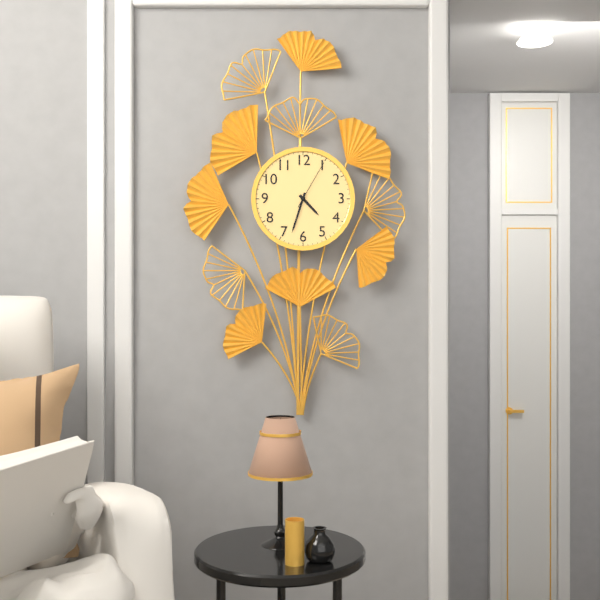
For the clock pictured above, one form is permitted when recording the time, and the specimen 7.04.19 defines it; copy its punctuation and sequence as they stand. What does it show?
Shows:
4.33.05
